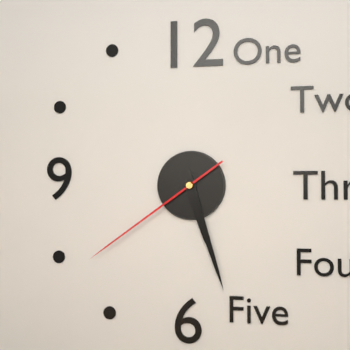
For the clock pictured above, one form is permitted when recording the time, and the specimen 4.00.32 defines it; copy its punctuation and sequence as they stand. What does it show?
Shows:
5.27.39
